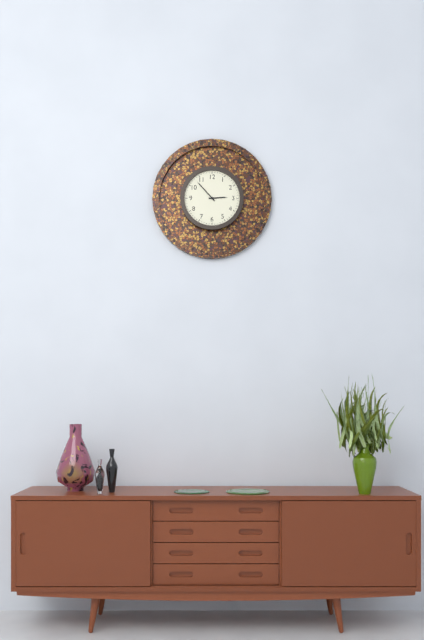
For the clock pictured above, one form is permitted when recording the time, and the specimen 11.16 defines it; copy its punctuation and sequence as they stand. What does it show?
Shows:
2.53
